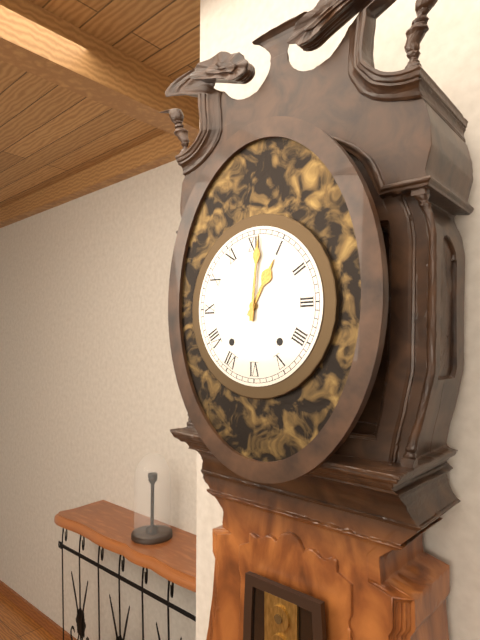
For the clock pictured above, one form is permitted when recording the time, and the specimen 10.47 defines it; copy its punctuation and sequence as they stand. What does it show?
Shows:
1.01
